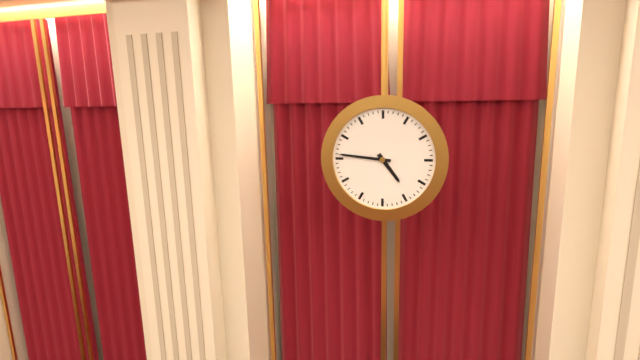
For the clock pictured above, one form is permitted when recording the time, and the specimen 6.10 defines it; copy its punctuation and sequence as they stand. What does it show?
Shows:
4.46
